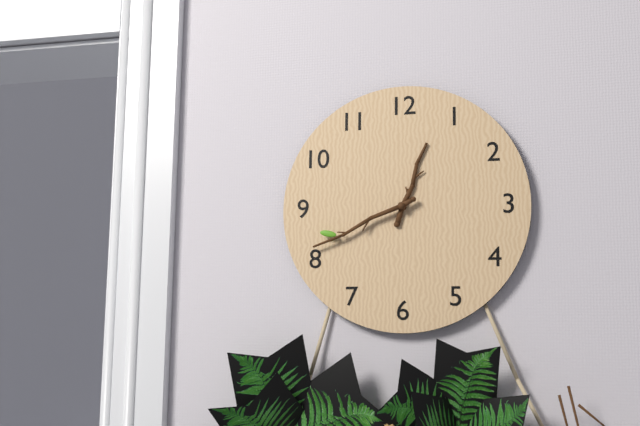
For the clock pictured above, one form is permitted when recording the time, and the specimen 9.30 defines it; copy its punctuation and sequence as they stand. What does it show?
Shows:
12.41
